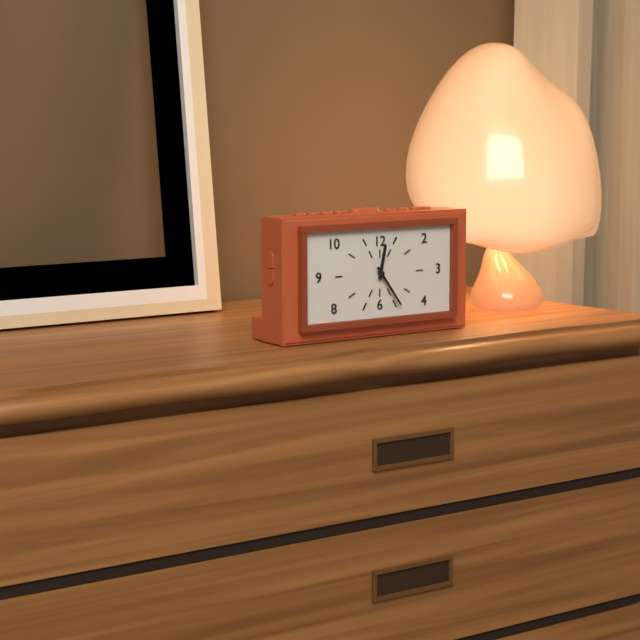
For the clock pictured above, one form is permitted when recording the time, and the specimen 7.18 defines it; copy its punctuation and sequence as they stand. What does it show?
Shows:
12.24
